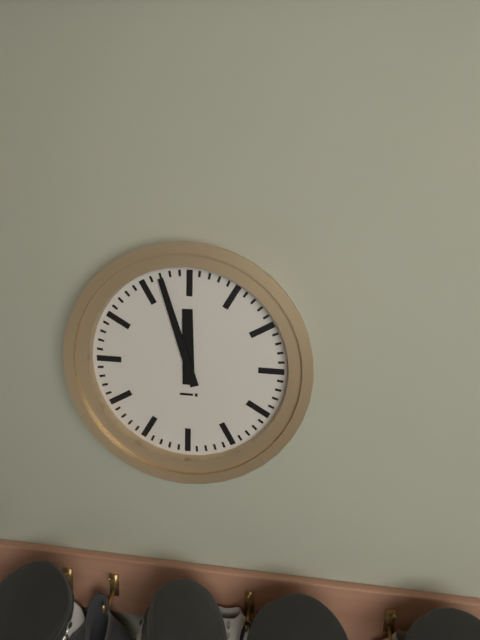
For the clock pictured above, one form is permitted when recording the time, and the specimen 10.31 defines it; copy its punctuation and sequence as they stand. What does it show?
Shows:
11.57
